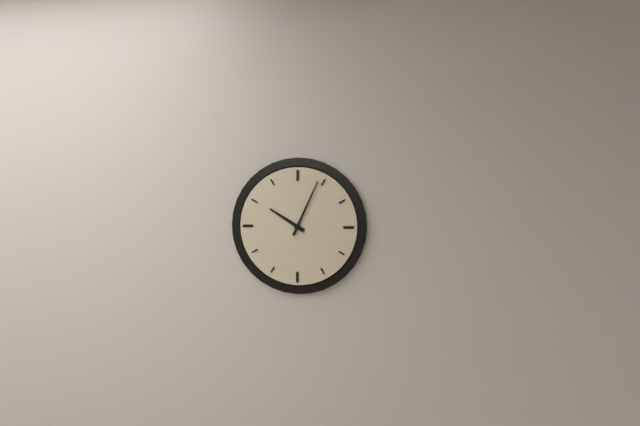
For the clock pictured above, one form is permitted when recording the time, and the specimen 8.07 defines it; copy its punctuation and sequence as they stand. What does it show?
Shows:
10.04
